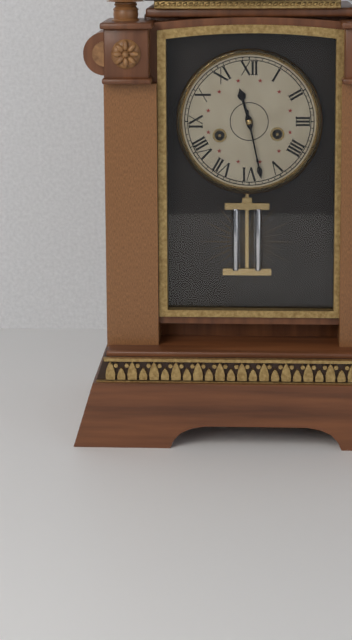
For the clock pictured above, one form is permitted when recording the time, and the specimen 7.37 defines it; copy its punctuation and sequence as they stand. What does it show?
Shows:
11.28
